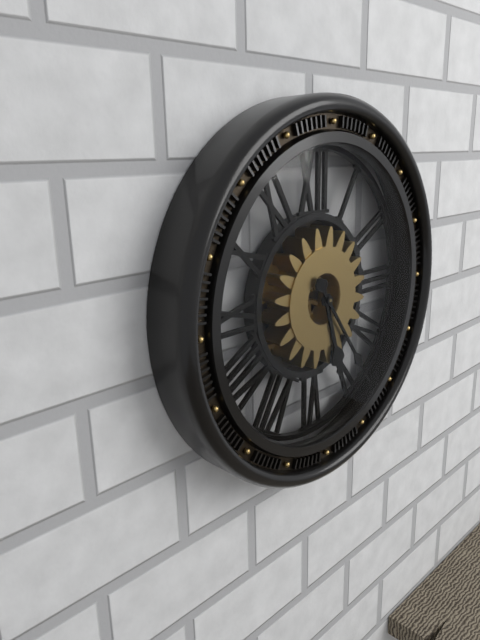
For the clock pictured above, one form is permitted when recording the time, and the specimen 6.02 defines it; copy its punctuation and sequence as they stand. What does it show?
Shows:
5.24
